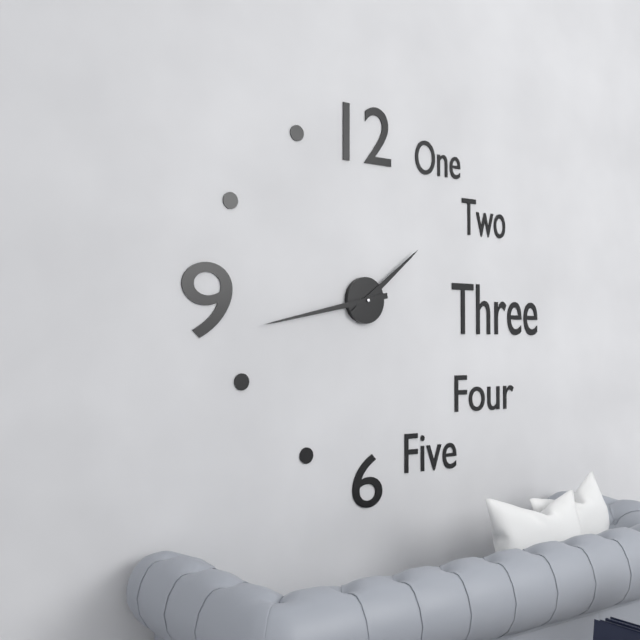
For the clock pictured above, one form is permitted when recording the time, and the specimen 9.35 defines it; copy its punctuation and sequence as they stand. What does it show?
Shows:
1.43
